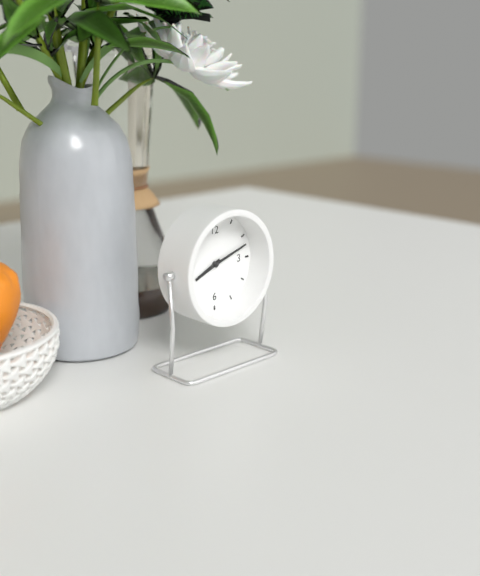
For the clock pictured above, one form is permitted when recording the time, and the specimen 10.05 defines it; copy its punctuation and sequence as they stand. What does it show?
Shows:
8.12
